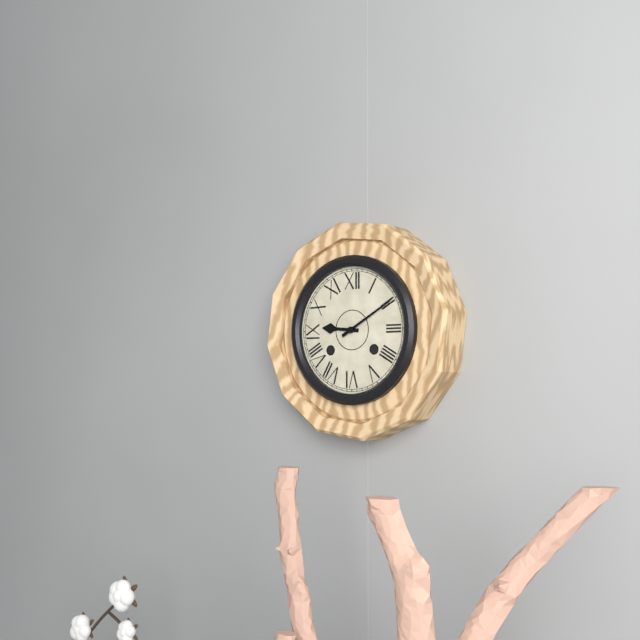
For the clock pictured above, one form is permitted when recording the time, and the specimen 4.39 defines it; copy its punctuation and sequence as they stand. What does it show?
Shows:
9.10
